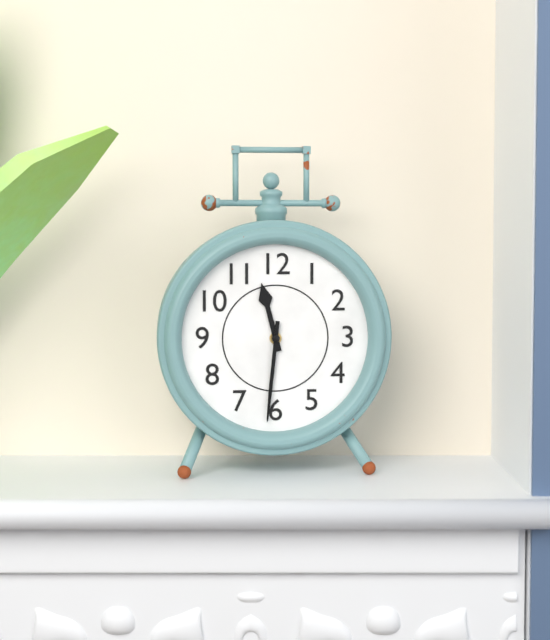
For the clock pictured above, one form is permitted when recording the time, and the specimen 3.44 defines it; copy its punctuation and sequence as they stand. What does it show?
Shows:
11.31
